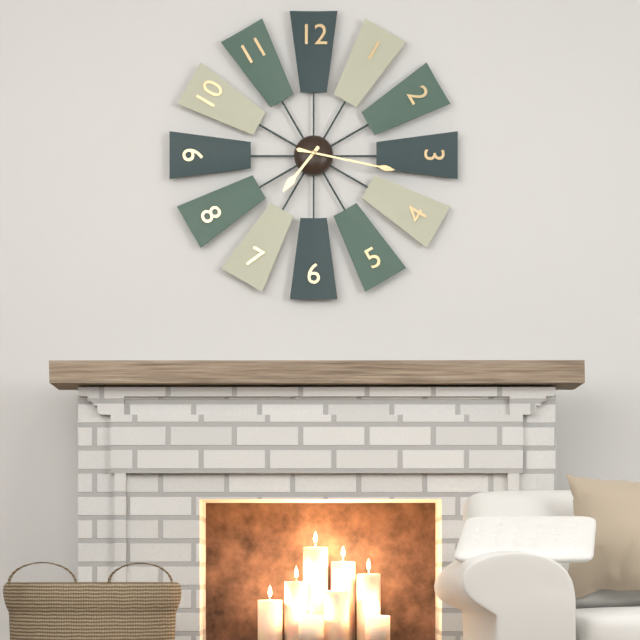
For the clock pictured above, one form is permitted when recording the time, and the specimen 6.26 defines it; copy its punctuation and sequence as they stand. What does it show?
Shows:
7.17
